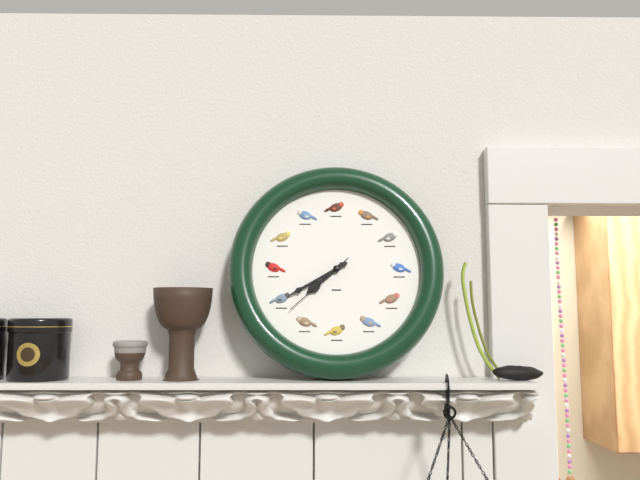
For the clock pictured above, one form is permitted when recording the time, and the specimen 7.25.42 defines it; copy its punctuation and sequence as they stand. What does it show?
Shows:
7.40.38
